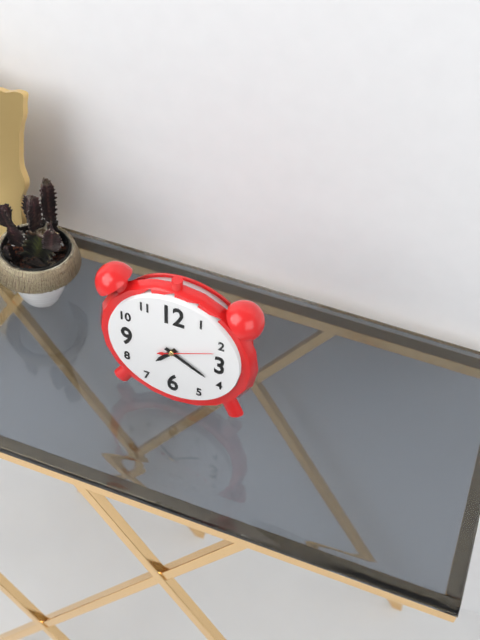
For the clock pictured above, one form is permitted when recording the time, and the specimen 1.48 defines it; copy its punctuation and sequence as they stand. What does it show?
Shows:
7.20
